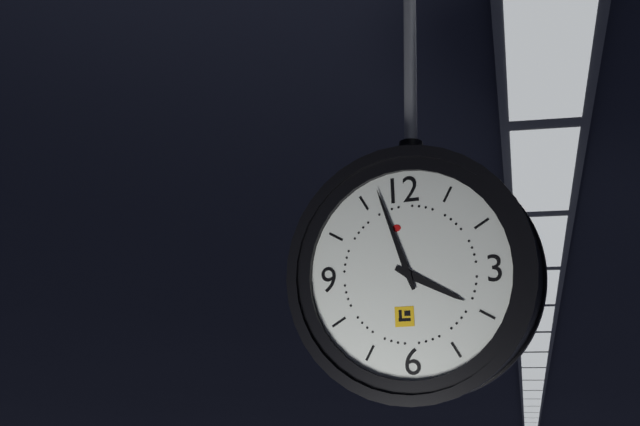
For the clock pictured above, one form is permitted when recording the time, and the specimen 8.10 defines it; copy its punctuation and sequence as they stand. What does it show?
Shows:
3.57
